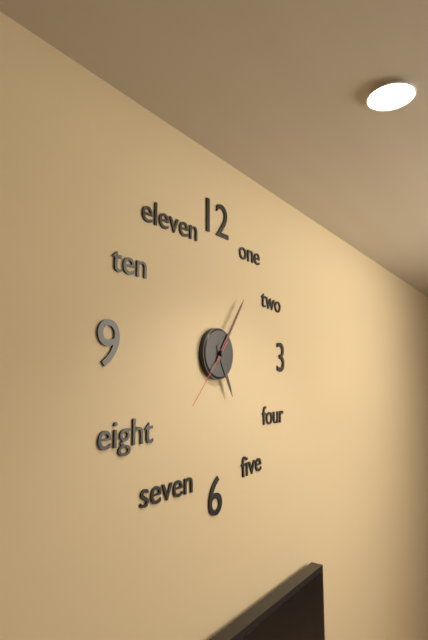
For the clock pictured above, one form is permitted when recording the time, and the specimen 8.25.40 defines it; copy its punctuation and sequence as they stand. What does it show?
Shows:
5.06.37
